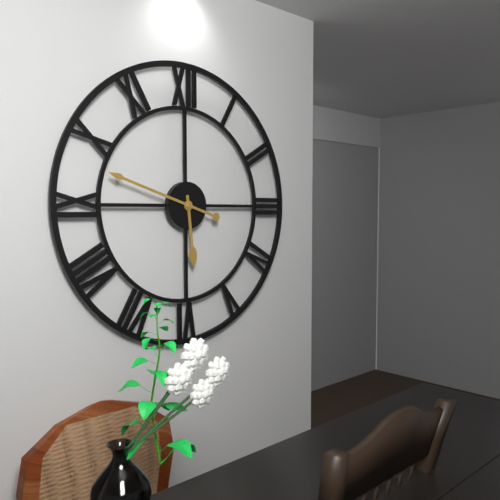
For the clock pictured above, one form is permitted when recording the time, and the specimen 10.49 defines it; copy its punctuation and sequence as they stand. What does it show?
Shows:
5.48
